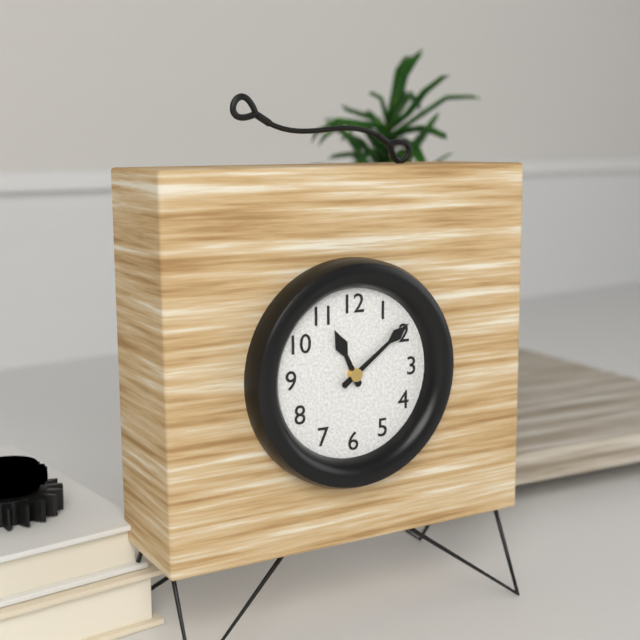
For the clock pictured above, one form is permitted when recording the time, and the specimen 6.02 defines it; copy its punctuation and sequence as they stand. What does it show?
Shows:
11.09
